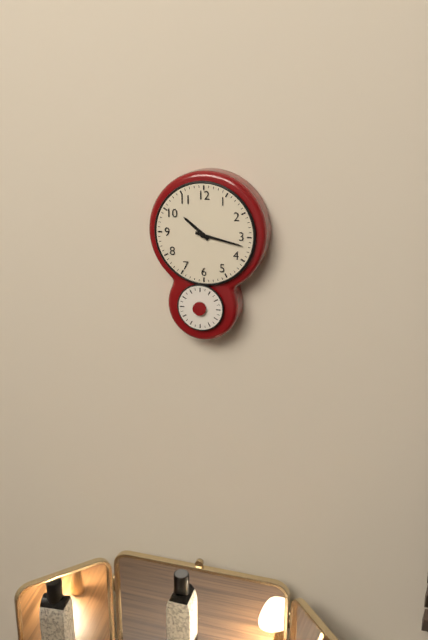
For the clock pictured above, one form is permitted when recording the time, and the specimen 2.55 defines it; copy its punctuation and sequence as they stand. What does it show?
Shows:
10.17
